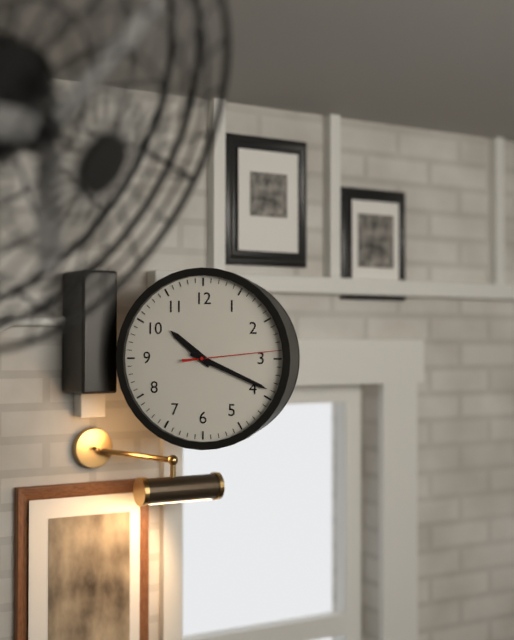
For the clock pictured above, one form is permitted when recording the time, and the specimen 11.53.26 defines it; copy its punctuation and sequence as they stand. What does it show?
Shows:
10.19.14
